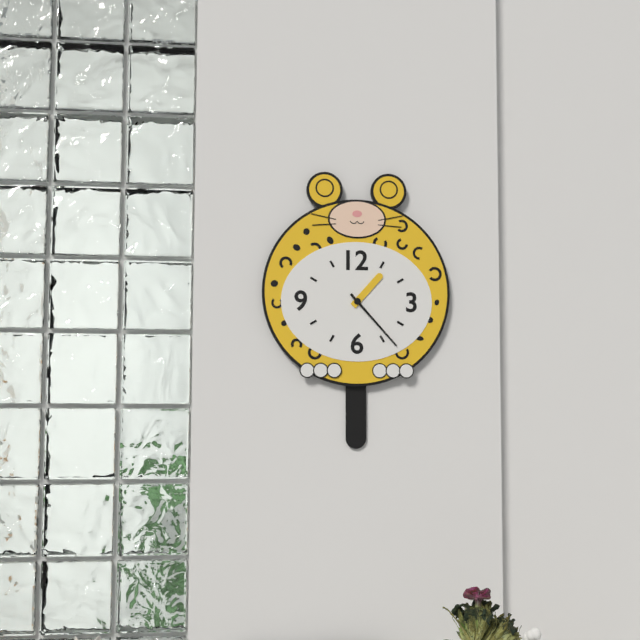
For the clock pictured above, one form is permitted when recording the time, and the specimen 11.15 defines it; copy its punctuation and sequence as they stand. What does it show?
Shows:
1.23
